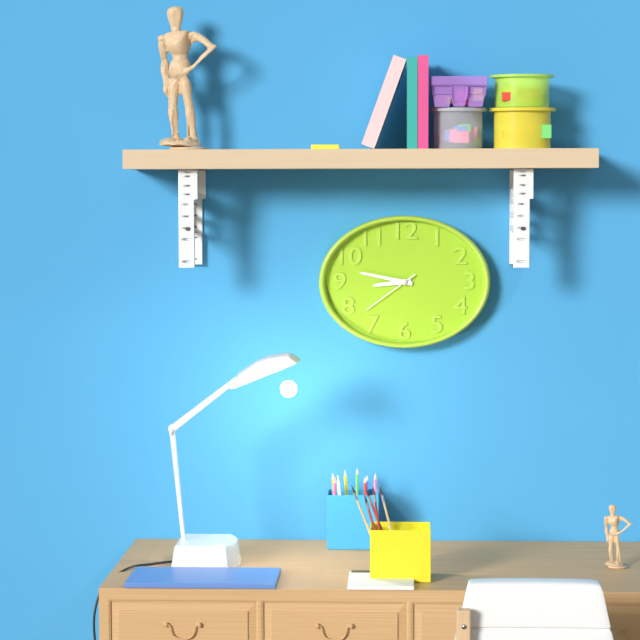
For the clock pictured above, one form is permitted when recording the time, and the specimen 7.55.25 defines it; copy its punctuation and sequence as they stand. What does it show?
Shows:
8.47.39
